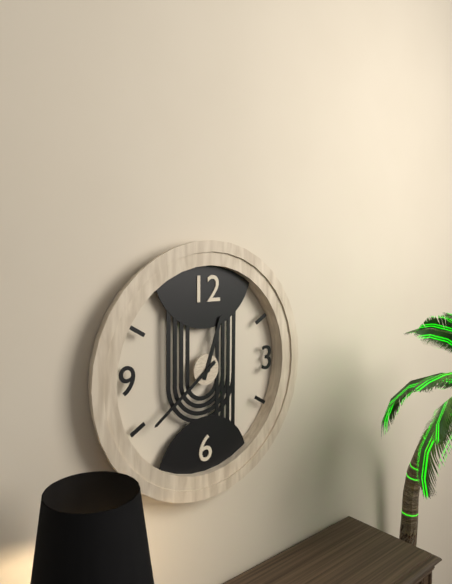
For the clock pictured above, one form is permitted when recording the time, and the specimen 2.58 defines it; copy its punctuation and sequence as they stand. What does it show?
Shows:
12.39
